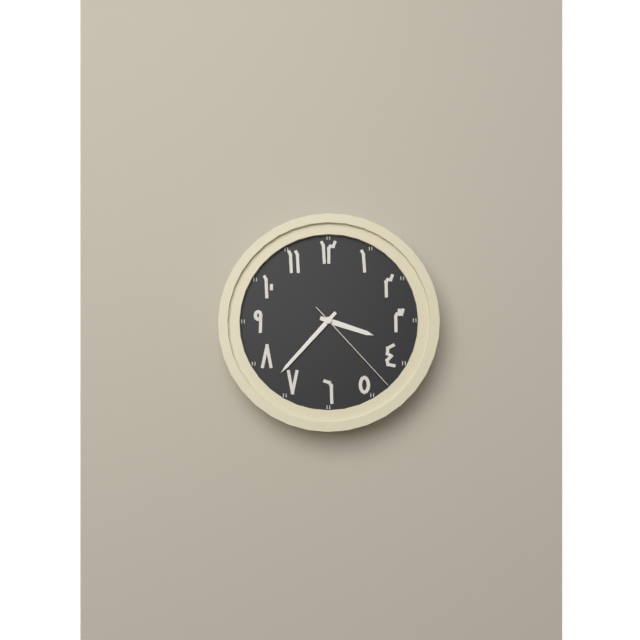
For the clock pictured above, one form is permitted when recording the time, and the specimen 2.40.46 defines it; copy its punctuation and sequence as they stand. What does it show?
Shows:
3.37.23
